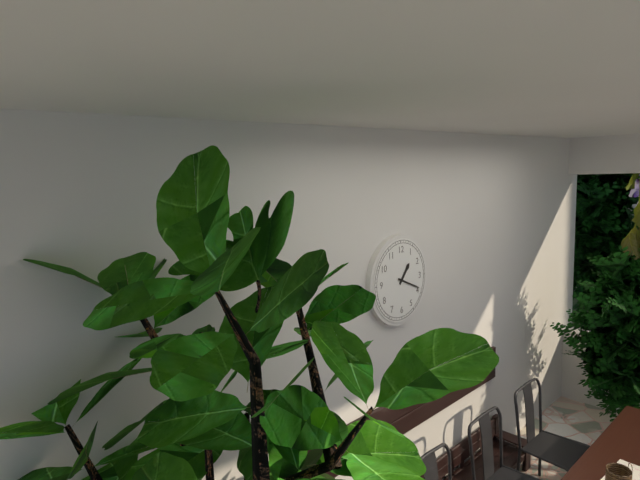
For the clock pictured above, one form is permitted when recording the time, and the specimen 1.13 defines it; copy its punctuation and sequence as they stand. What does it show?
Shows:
1.19
